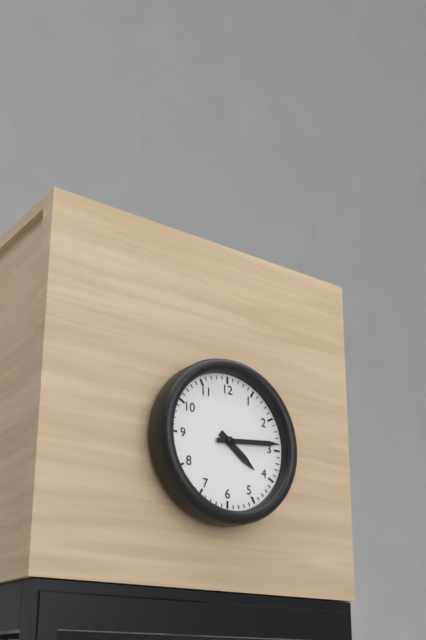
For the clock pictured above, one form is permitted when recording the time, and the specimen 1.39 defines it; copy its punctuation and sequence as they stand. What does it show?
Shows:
4.14
